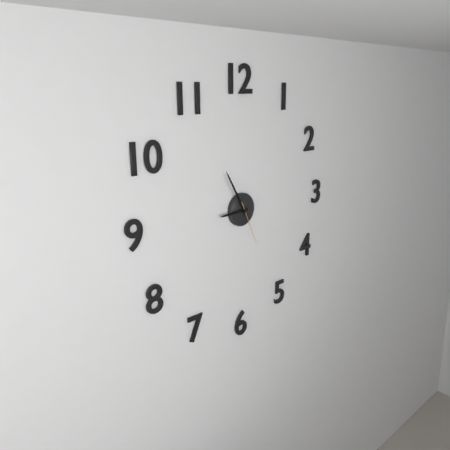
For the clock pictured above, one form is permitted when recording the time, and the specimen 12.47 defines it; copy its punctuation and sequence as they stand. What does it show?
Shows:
8.55
